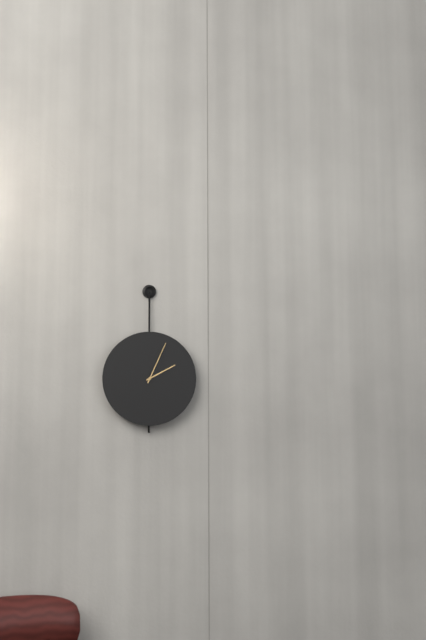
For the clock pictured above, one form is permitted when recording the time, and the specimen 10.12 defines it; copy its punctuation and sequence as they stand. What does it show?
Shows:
2.04
